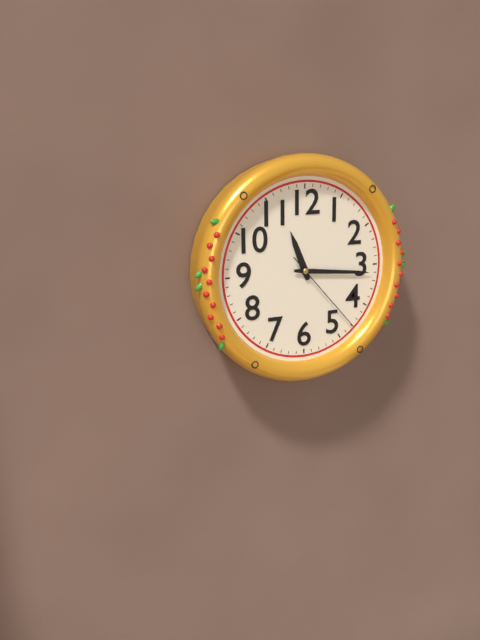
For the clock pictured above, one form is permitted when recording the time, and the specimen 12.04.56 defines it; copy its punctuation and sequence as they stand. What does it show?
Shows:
11.16.23
